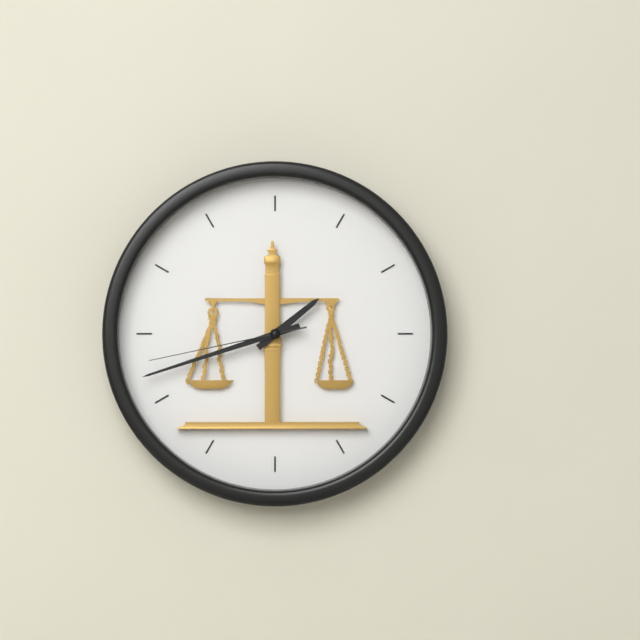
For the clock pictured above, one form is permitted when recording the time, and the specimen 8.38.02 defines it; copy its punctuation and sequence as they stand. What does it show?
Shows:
1.42.43
